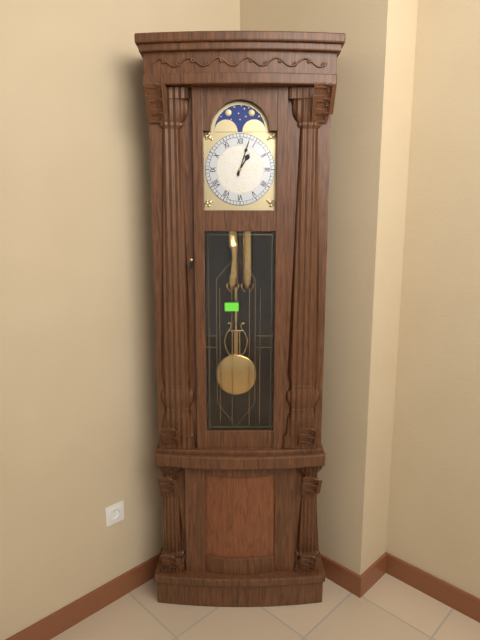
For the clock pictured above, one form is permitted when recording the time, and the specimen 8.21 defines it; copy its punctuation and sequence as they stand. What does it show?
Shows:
1.03
